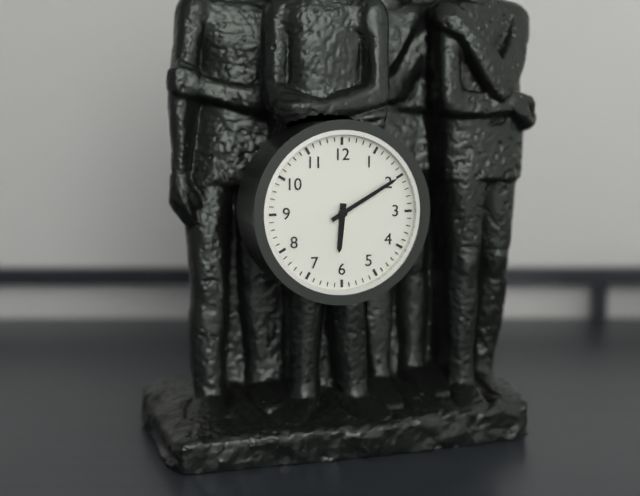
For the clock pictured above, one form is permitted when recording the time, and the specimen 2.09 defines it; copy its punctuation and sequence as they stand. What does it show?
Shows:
6.10
